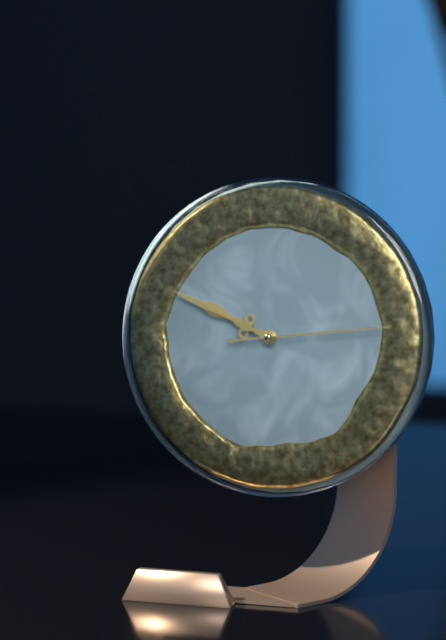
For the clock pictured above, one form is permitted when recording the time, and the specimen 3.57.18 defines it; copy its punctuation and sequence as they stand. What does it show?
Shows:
9.49.14
